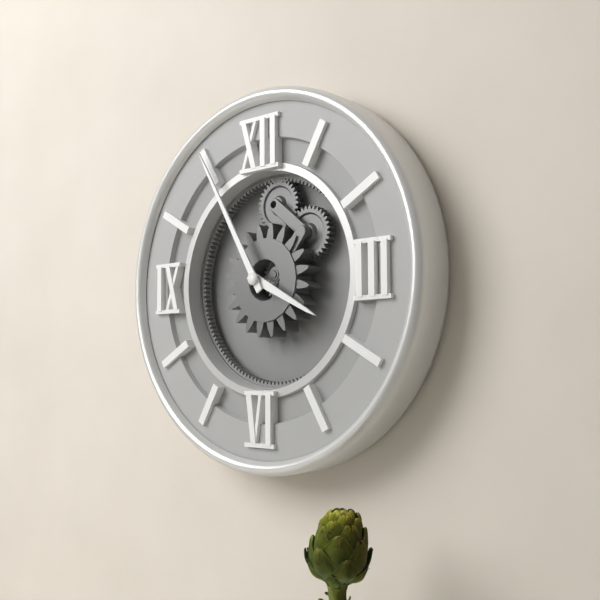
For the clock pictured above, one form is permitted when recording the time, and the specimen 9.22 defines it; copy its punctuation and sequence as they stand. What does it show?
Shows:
3.55
